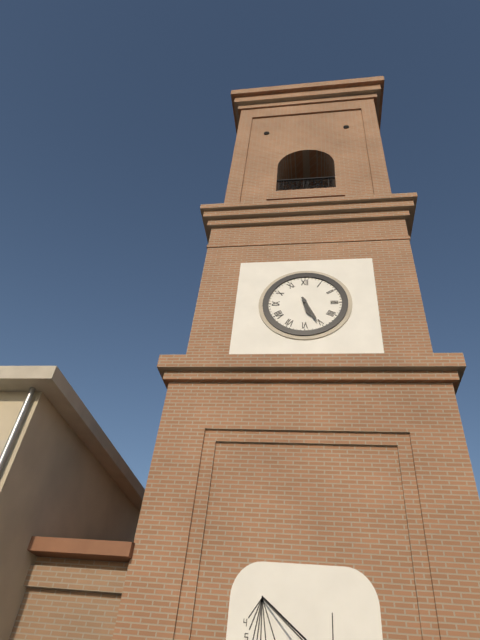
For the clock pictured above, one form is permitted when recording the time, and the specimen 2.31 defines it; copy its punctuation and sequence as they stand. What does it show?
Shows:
5.26
